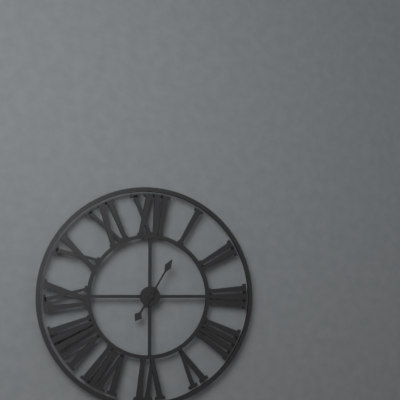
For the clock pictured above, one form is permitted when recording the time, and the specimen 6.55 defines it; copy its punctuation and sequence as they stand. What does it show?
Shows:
7.05
